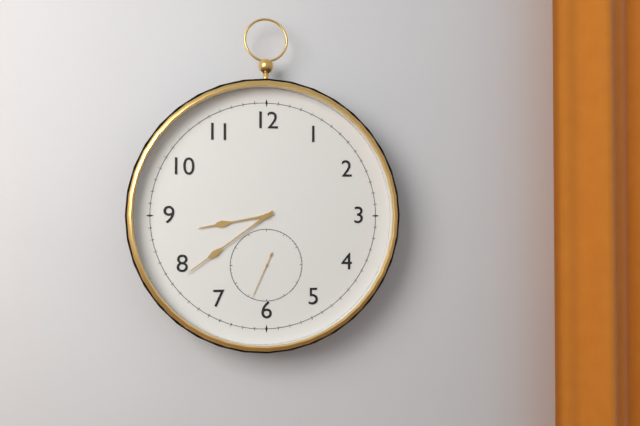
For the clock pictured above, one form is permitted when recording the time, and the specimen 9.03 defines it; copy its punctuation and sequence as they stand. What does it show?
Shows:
8.39
